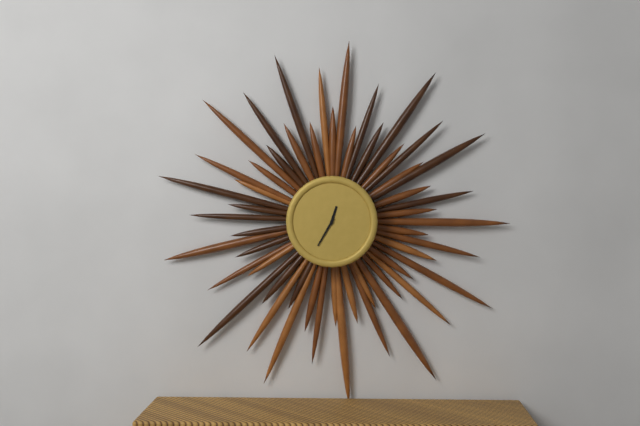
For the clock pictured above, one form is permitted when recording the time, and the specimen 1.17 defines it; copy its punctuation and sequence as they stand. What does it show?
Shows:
12.35
